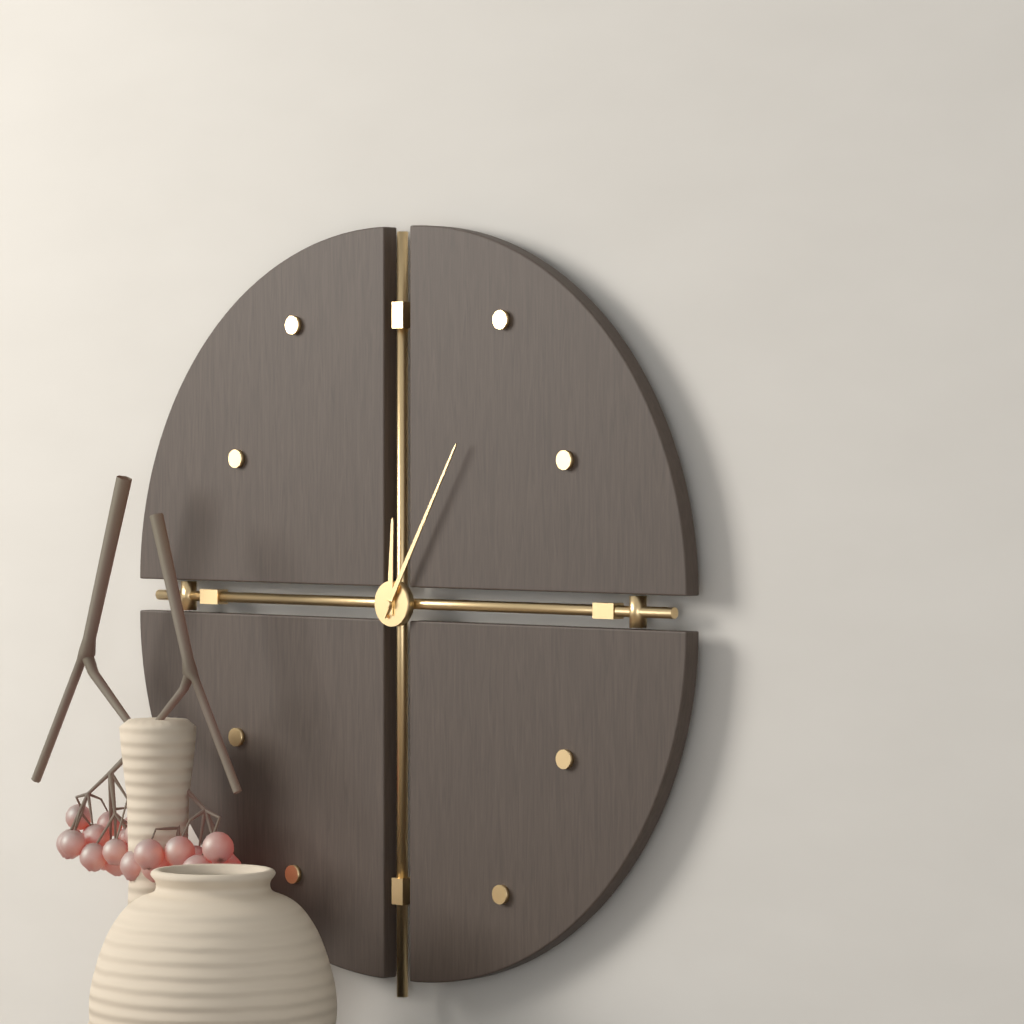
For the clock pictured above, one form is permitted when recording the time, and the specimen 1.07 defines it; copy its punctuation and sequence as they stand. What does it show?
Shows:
12.05
